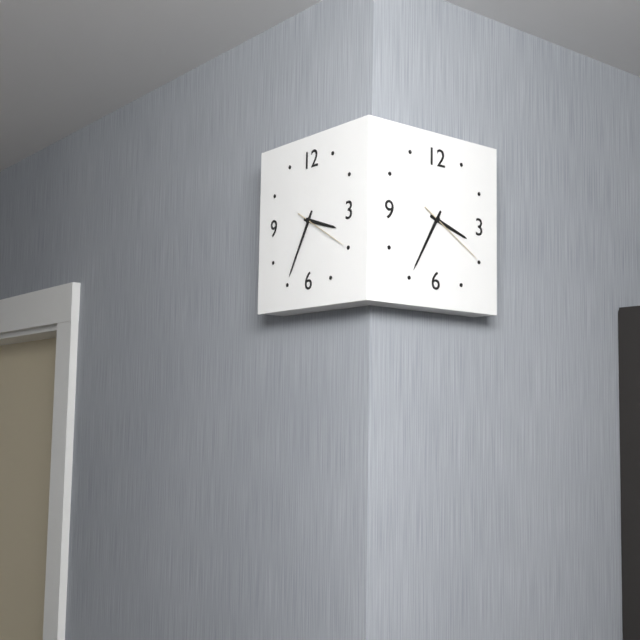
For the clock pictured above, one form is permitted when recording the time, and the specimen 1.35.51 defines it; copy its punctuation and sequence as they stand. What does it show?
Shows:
3.35.20
